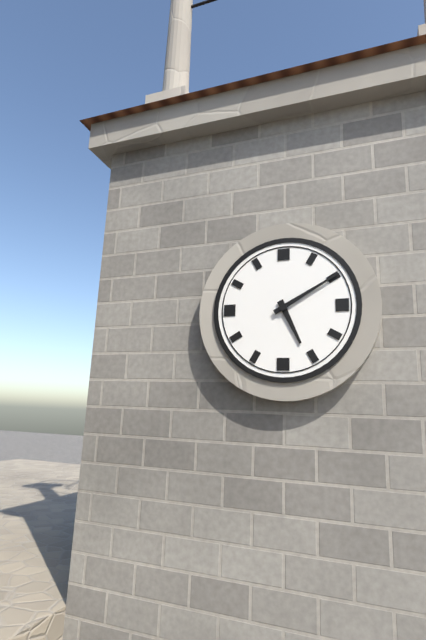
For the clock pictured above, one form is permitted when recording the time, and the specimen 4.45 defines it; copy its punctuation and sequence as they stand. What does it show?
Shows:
5.10
